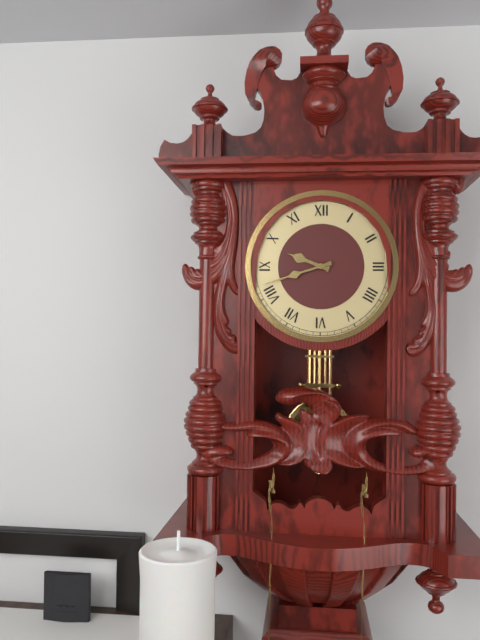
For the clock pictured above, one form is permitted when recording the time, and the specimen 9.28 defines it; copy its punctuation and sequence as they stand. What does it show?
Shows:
9.42
